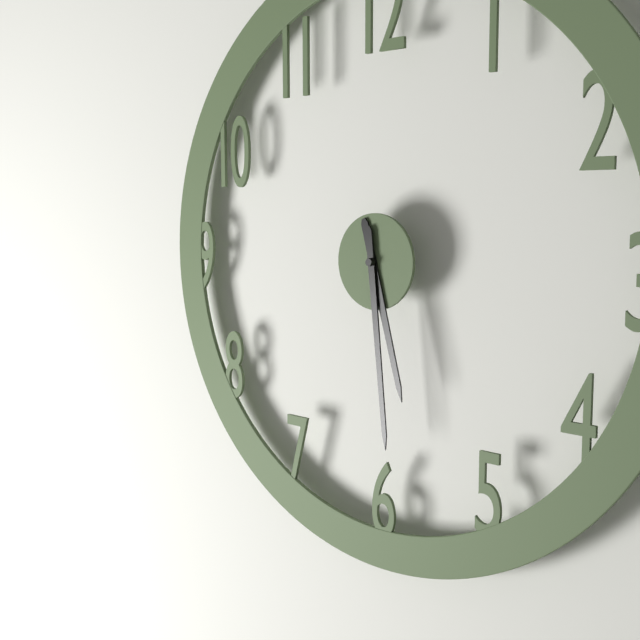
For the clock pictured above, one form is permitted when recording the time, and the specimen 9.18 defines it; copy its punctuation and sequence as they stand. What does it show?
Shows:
5.29
